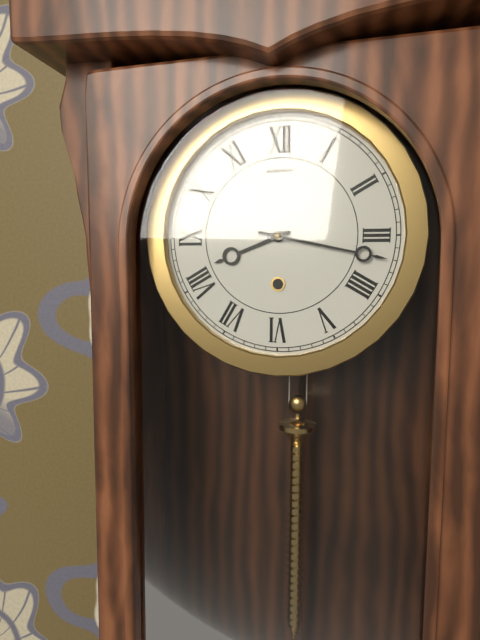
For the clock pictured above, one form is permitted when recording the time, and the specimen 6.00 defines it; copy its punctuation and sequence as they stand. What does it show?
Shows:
8.17
